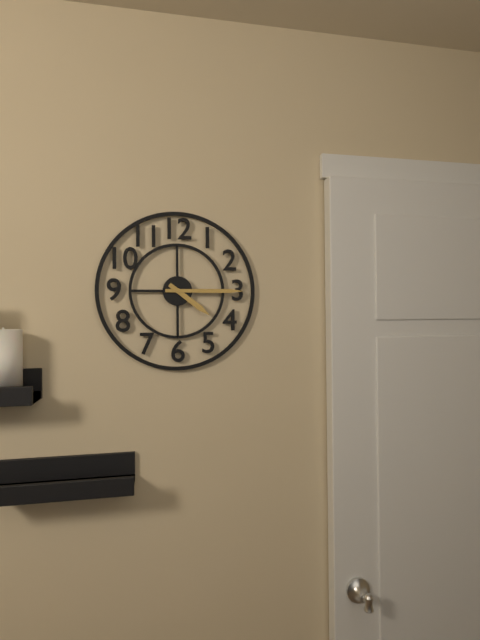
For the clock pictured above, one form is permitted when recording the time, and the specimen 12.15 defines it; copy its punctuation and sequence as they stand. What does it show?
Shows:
4.15
